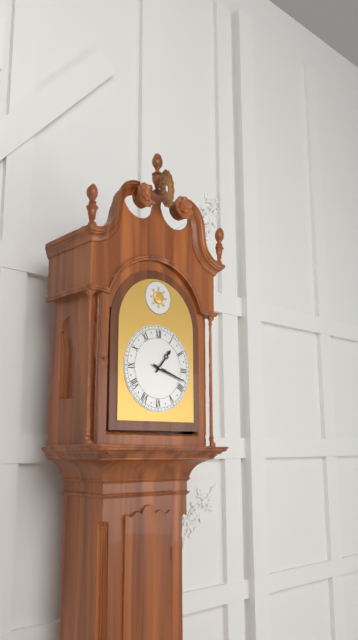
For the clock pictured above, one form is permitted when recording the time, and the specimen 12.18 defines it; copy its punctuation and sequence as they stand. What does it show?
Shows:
1.18
